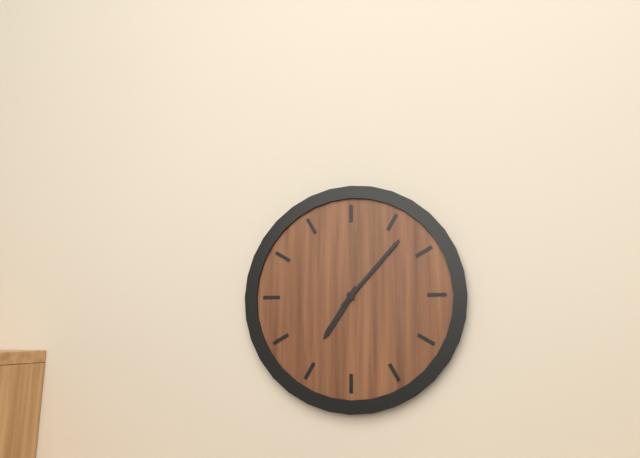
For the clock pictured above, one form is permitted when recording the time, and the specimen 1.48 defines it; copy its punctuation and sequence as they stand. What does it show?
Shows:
7.07
